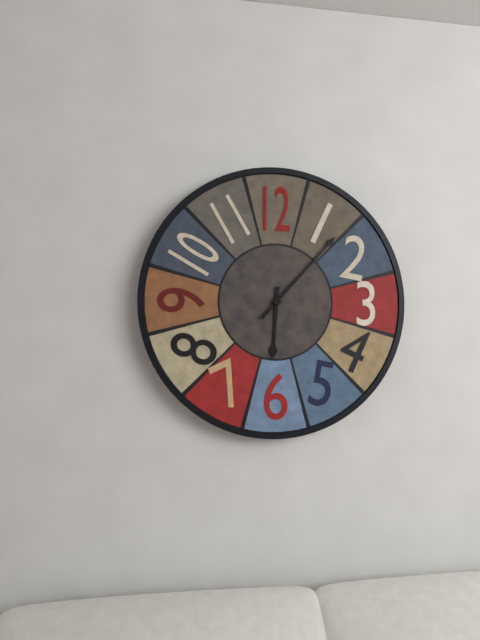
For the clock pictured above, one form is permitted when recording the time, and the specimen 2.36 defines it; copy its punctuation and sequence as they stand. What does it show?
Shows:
6.07
